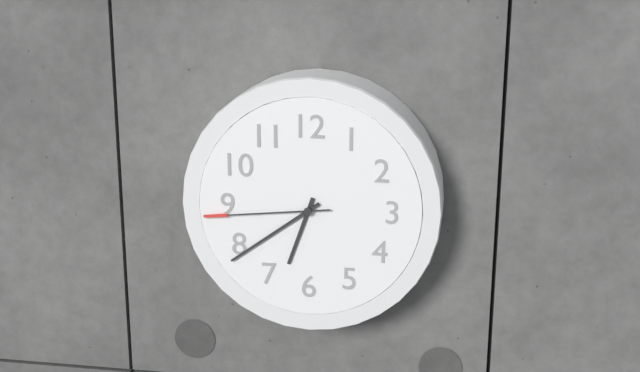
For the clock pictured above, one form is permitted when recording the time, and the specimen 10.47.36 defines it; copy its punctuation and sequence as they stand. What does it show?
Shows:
6.39.44
